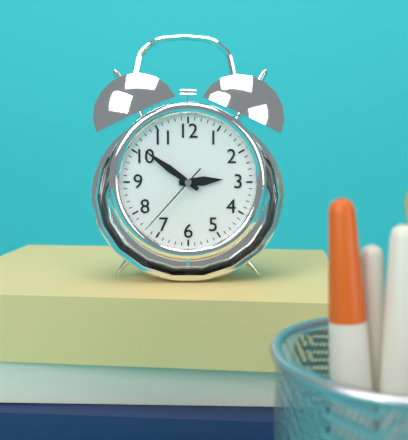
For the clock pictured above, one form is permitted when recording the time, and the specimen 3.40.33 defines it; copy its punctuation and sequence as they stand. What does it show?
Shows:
2.51.37
